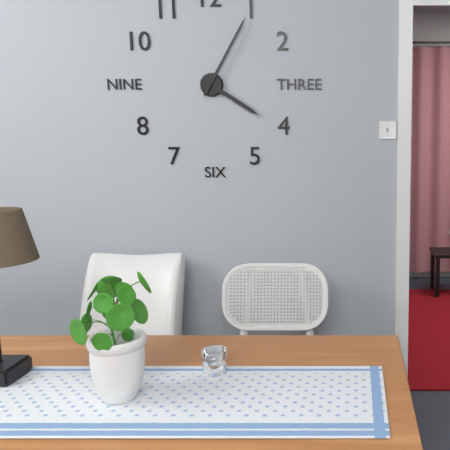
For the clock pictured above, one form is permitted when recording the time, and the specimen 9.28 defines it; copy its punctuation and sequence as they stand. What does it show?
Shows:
4.05
